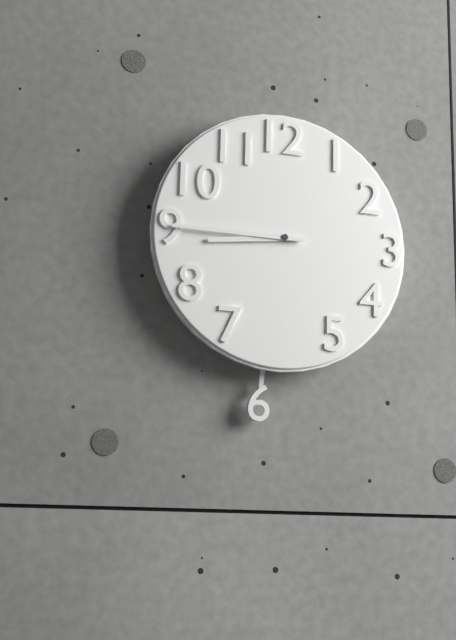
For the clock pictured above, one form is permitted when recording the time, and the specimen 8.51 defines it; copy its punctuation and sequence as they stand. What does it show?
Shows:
8.45
